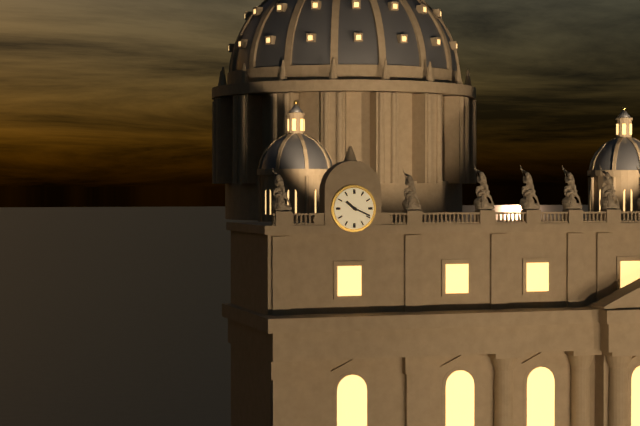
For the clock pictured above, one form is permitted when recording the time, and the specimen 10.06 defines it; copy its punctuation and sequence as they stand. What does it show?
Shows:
10.19
